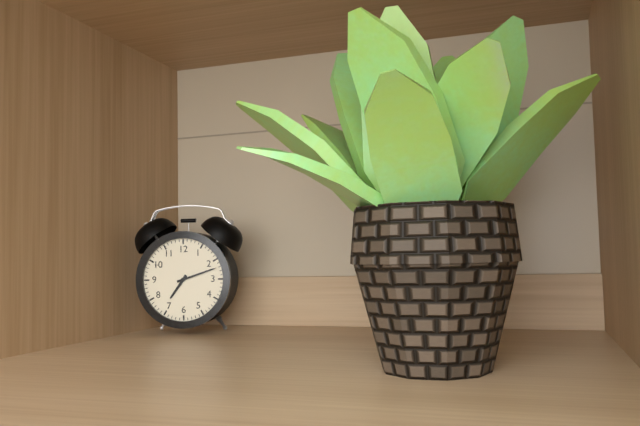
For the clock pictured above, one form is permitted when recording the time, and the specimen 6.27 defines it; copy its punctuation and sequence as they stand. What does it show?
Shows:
7.12
